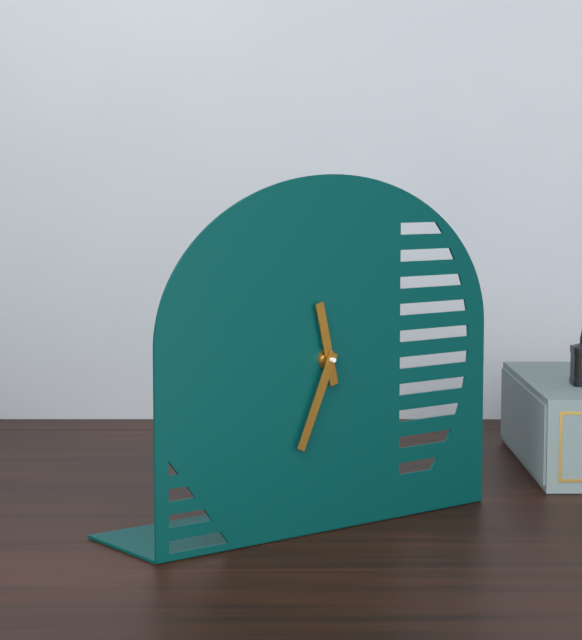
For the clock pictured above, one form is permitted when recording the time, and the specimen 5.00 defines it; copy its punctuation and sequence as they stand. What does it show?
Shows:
11.34
